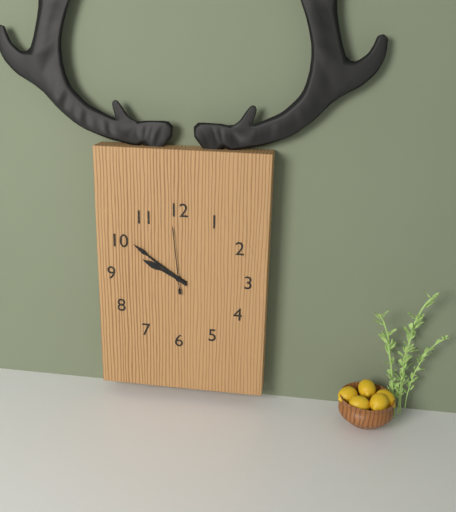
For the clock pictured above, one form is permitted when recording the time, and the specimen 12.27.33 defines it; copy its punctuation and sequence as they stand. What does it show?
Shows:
9.51.59
